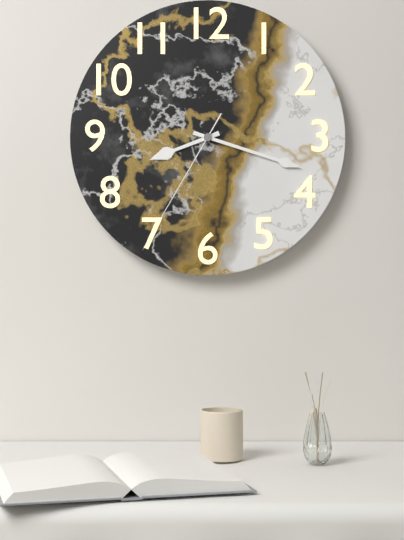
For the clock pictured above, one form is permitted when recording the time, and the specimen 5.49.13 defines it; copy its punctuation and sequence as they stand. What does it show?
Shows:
8.18.35
